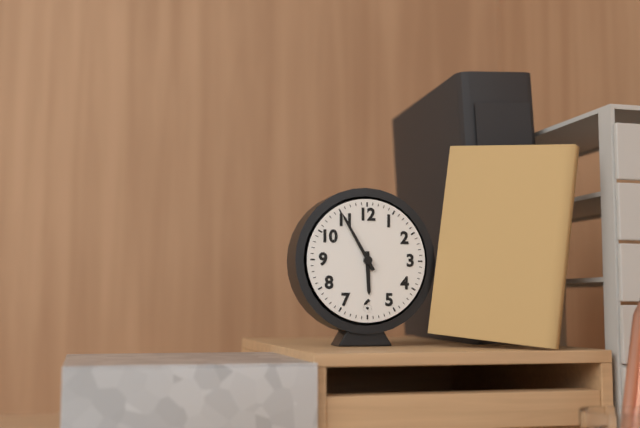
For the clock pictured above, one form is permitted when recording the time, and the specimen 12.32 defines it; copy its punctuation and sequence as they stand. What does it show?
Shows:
5.55
